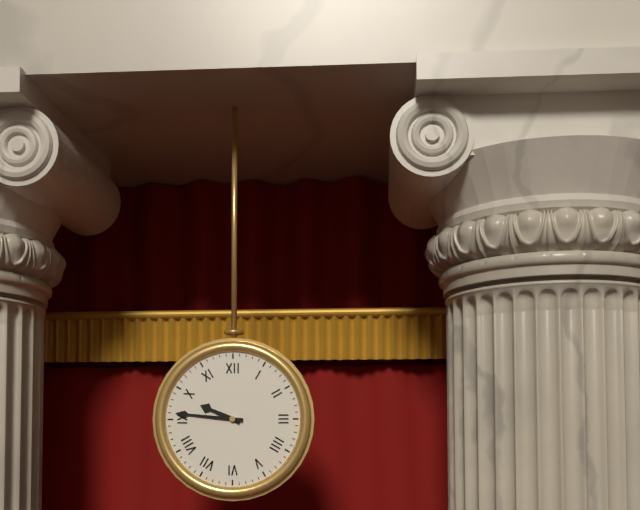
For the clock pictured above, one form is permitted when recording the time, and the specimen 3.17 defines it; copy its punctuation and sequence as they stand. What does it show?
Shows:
9.46
